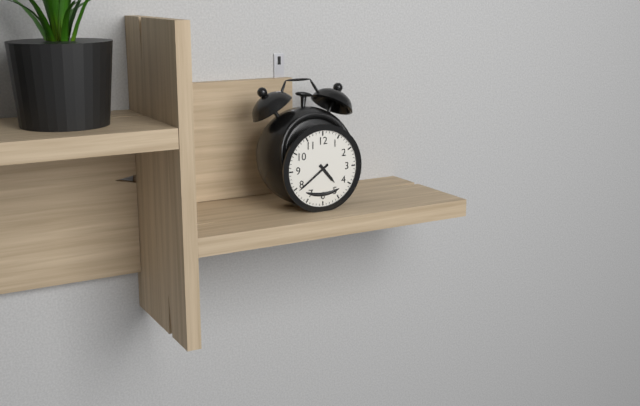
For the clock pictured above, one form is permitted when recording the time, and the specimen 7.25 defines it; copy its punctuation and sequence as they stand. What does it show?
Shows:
4.39
